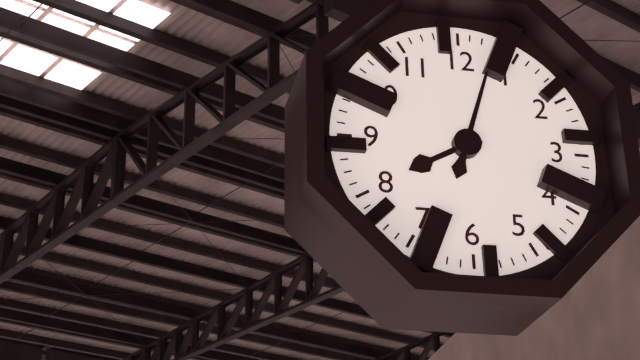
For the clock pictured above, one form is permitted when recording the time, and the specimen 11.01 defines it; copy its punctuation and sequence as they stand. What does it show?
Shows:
8.03
